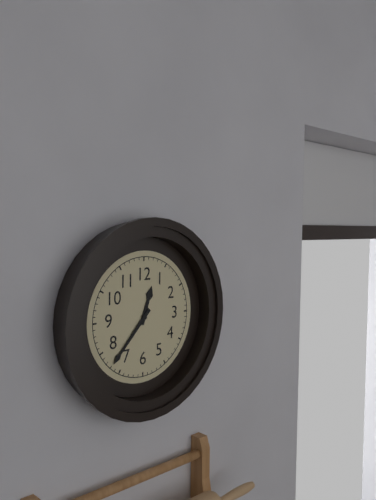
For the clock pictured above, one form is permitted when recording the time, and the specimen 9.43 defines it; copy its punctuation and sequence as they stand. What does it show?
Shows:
12.37
